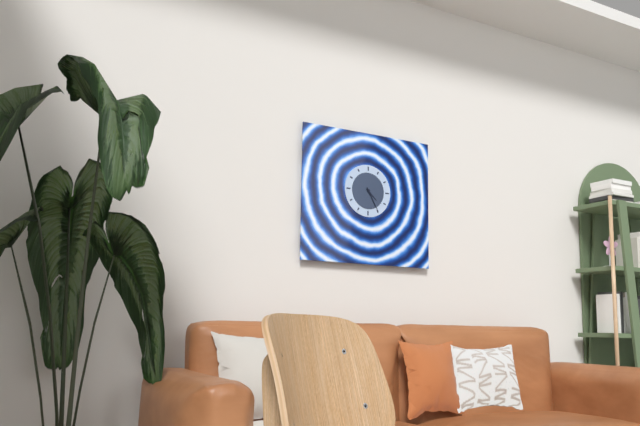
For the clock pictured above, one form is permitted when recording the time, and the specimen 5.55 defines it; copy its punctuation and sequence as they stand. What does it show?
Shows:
4.25
